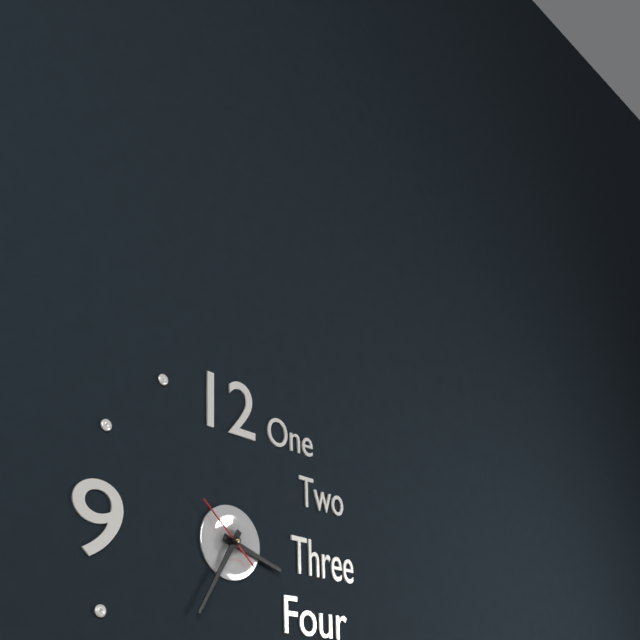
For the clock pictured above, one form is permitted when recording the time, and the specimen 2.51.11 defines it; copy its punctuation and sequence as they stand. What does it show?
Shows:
3.35.52
